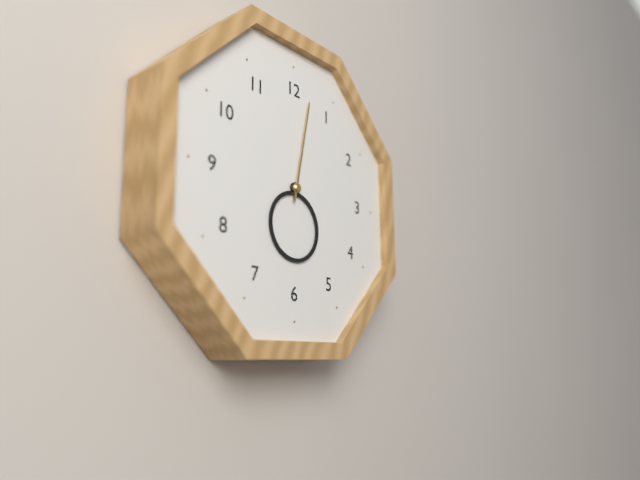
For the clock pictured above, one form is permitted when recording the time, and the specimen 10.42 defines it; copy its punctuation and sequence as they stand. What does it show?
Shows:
6.02
